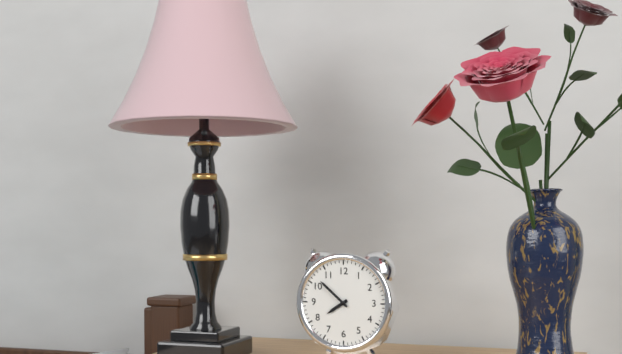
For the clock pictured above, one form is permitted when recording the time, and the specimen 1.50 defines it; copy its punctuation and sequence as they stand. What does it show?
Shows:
7.52
